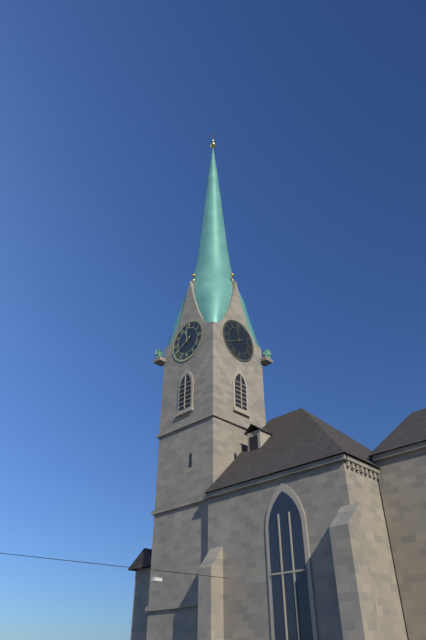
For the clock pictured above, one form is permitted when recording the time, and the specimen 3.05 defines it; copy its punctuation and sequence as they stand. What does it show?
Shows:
11.40
